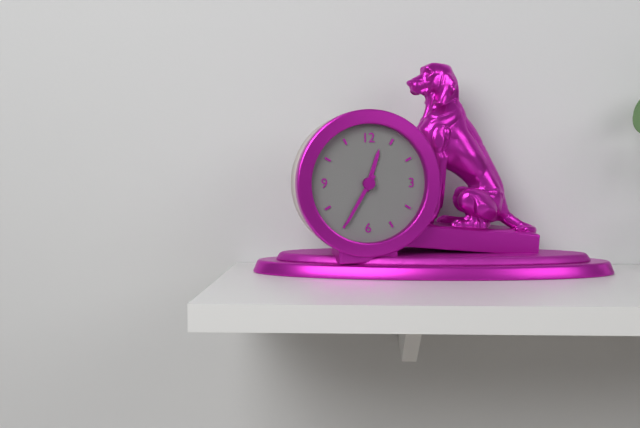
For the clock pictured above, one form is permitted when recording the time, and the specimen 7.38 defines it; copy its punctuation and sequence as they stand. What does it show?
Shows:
12.35
